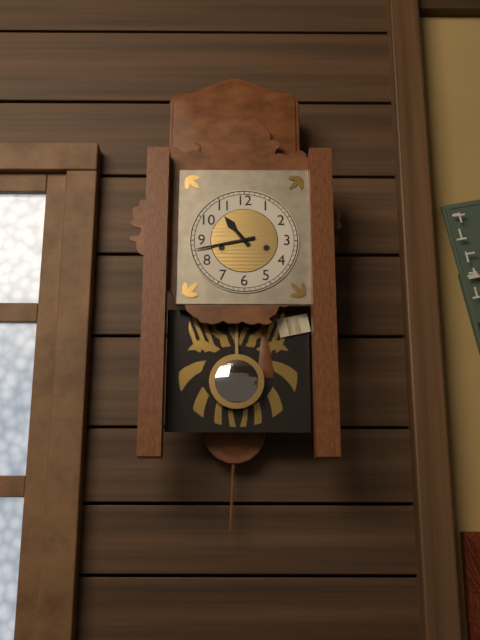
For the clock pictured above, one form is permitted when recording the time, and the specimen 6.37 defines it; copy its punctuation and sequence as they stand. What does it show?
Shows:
10.43
